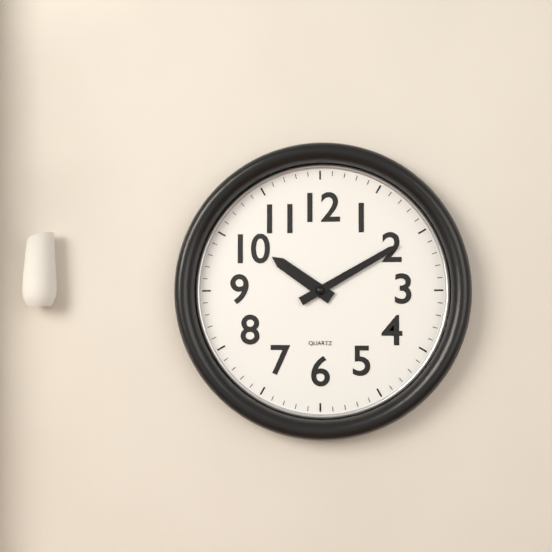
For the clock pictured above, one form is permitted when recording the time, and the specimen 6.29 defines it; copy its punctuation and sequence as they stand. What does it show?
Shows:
10.10
